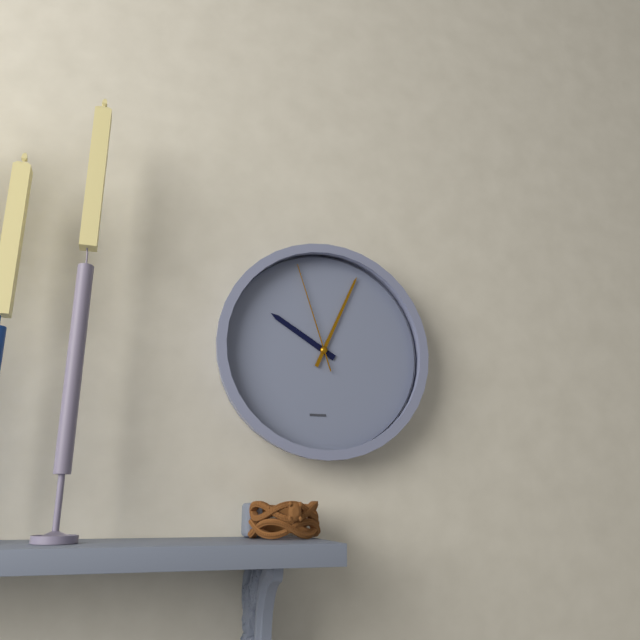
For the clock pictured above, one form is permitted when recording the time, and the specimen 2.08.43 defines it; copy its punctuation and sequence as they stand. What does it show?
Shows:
10.04.57
